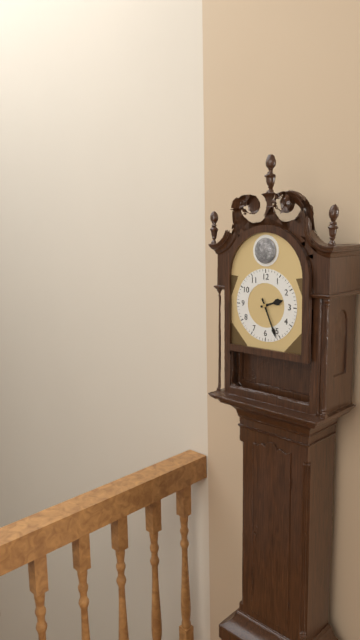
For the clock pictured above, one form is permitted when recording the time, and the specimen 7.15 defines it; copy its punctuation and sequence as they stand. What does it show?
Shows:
2.26
